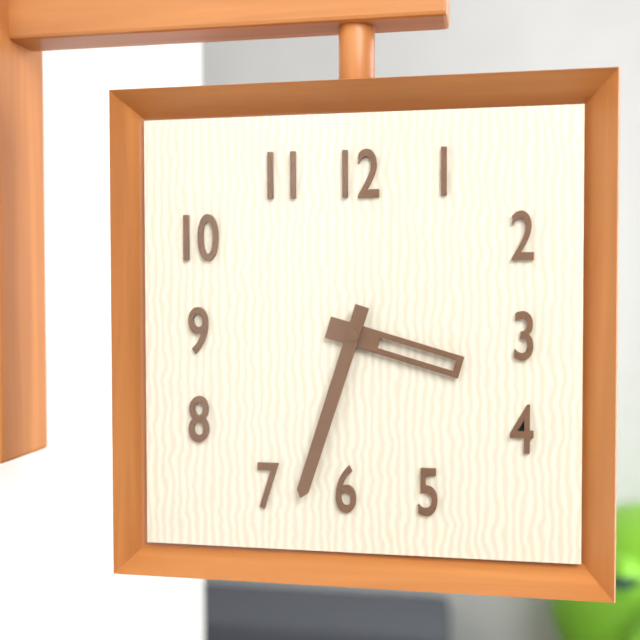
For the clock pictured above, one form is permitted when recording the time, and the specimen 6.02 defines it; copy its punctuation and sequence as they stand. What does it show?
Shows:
3.33
